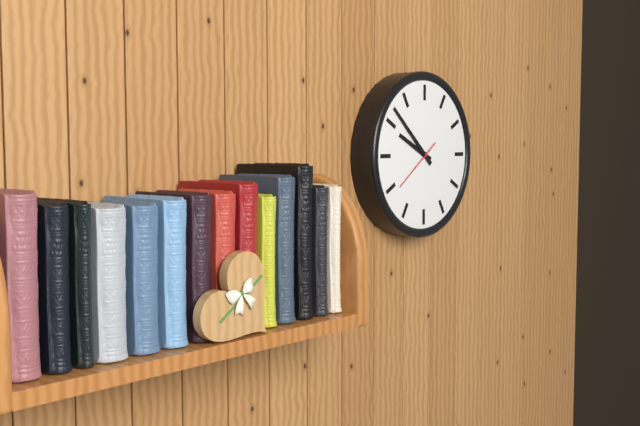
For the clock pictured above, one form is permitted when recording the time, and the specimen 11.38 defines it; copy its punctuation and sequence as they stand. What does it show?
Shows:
9.52
